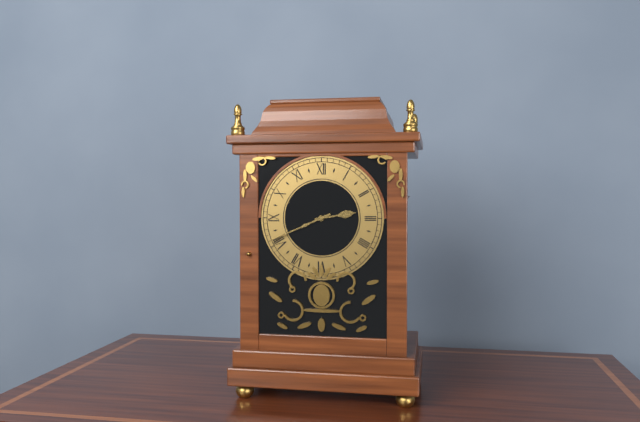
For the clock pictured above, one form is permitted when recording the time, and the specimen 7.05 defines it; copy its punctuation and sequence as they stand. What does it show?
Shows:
2.41
